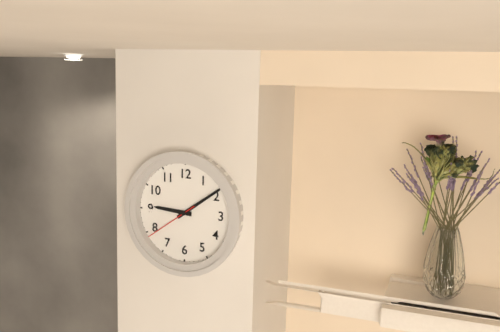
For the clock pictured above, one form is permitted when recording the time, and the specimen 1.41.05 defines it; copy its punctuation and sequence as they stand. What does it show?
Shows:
9.09.39
